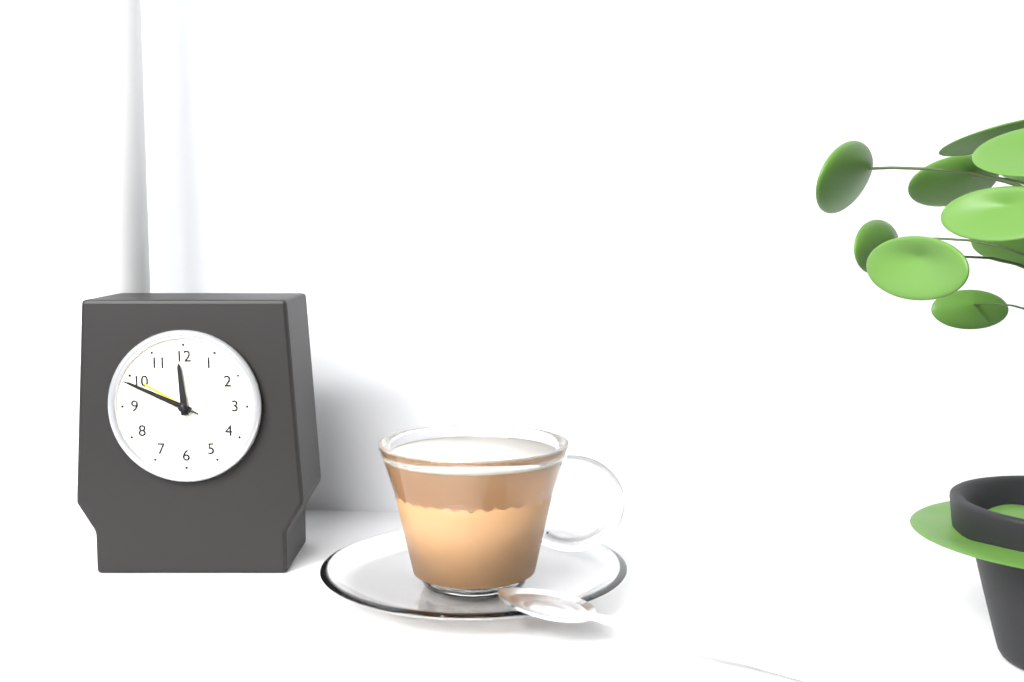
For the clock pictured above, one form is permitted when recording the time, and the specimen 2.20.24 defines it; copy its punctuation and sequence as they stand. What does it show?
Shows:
11.49.49
